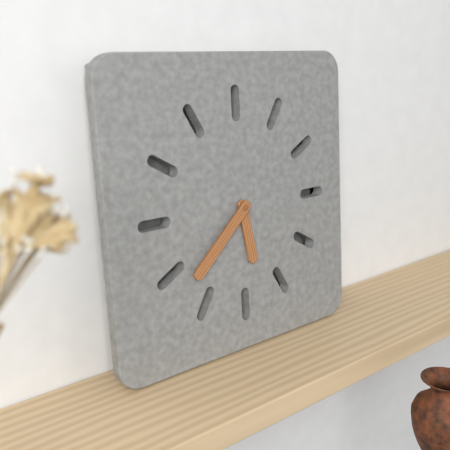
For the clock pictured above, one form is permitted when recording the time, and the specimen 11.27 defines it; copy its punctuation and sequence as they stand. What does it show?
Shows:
5.38
